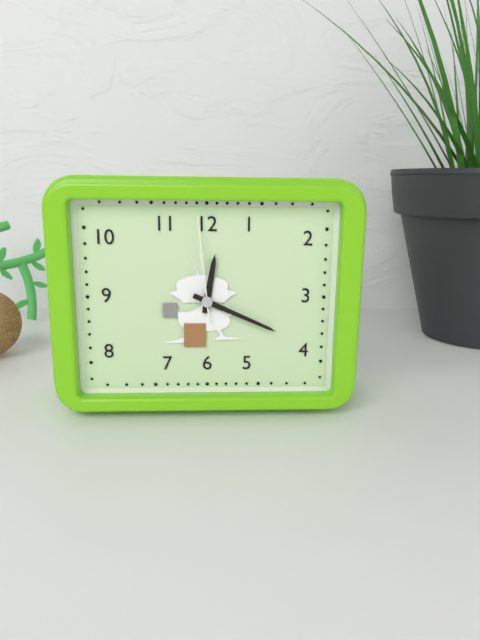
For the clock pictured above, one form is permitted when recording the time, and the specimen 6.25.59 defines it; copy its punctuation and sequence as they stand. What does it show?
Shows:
12.19.59
